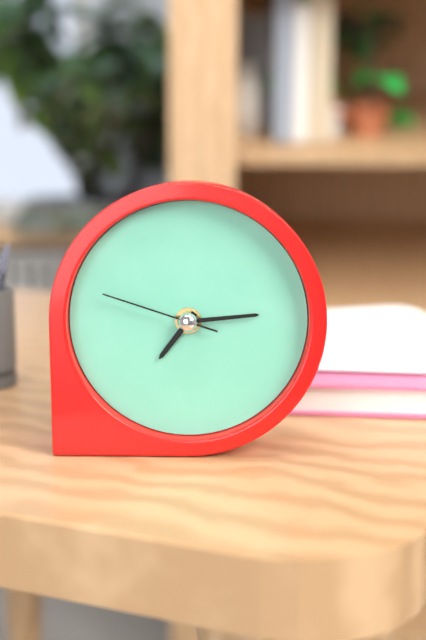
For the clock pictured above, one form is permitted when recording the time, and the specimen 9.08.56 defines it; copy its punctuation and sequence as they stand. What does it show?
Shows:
7.14.48
